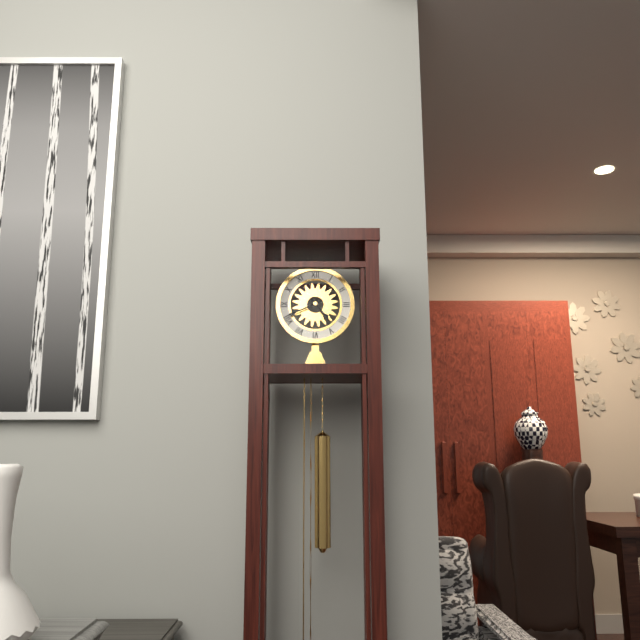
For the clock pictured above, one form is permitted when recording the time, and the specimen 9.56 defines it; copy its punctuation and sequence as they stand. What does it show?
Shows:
4.41
